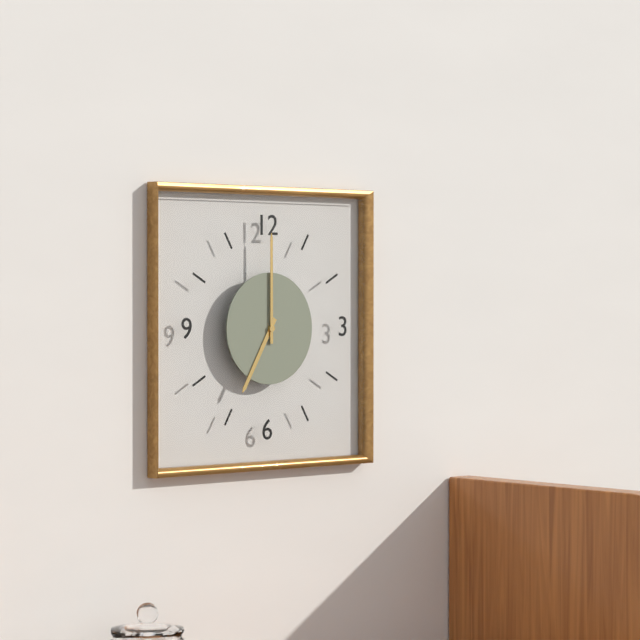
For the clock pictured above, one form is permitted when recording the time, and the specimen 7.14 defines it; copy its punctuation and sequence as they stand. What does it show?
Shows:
7.00
